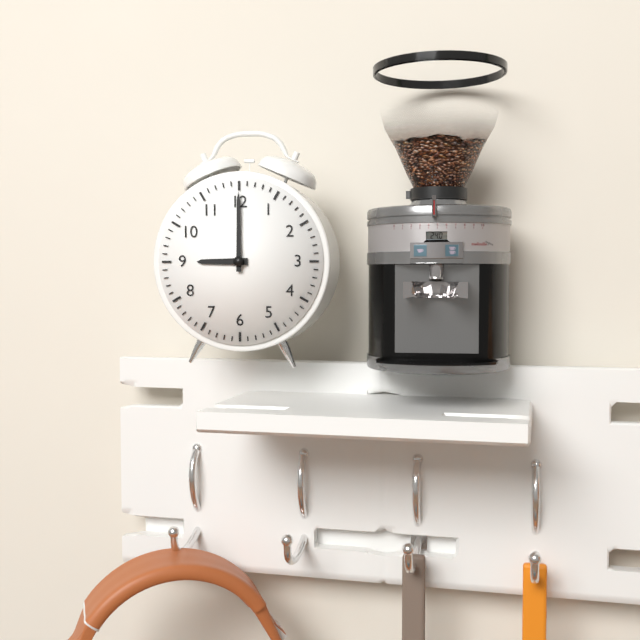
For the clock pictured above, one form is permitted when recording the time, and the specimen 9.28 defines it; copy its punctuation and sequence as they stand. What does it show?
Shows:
9.00
